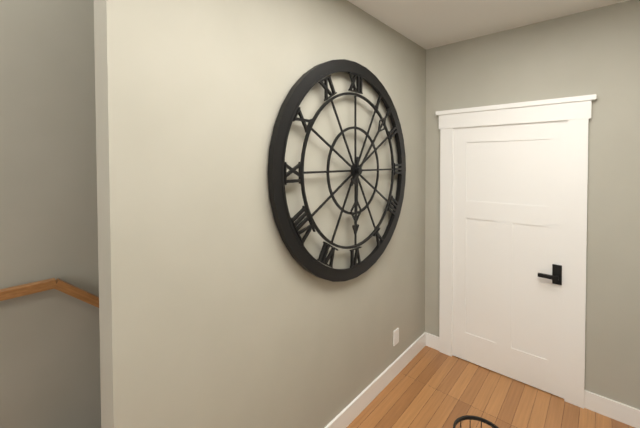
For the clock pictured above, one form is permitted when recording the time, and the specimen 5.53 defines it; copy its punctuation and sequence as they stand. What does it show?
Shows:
6.07
